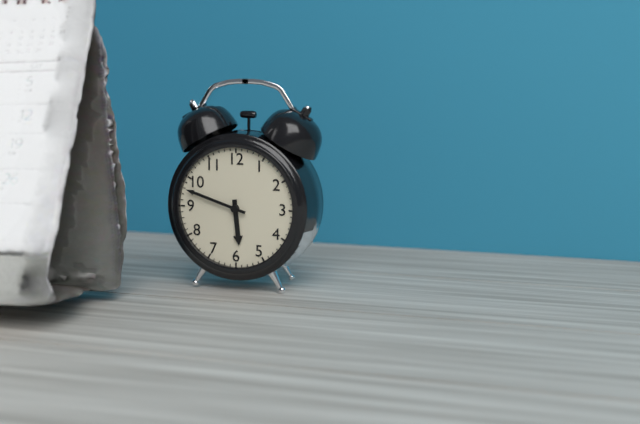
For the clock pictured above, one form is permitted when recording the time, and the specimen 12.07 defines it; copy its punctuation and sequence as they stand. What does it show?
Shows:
5.48
